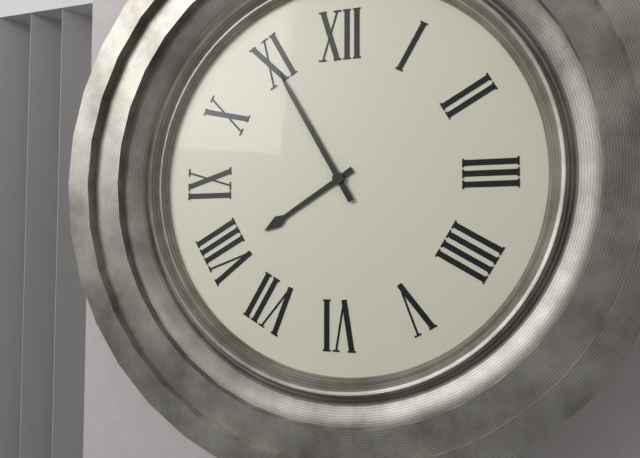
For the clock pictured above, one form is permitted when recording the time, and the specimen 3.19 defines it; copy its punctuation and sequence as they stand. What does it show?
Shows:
7.55
